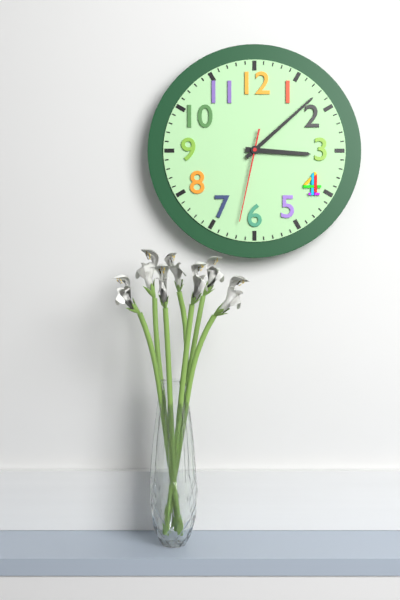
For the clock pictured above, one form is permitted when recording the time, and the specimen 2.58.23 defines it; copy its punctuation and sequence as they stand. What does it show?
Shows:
3.08.32
